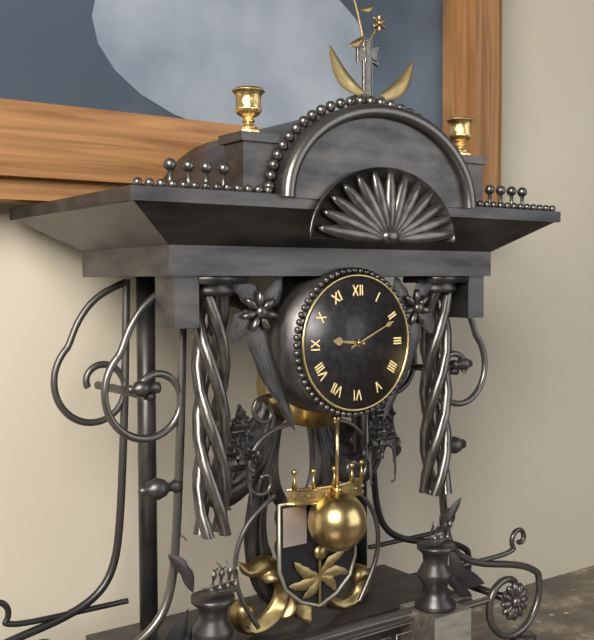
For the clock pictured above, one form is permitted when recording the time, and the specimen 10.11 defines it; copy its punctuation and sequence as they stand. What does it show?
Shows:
9.11
